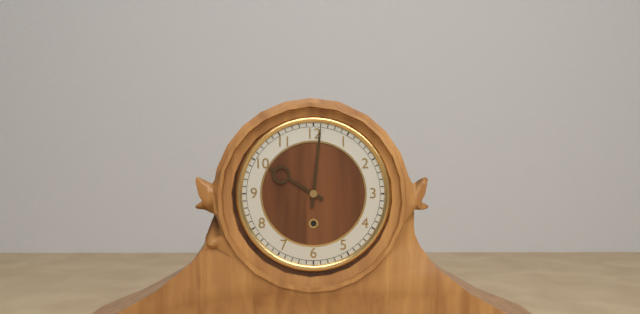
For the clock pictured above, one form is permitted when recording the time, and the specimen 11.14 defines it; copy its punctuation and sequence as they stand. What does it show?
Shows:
10.01
